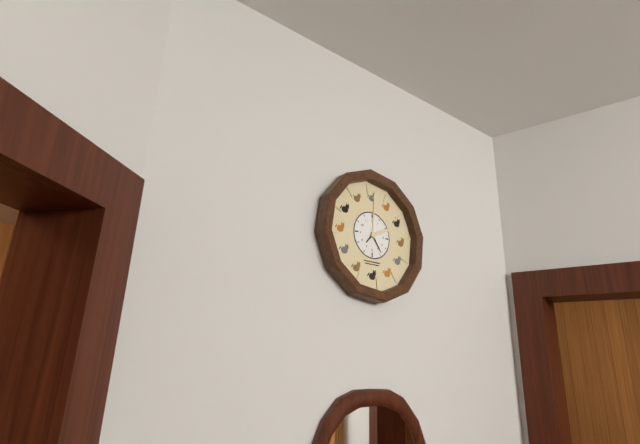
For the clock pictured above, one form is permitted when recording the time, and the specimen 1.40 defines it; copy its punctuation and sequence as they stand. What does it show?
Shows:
7.24
